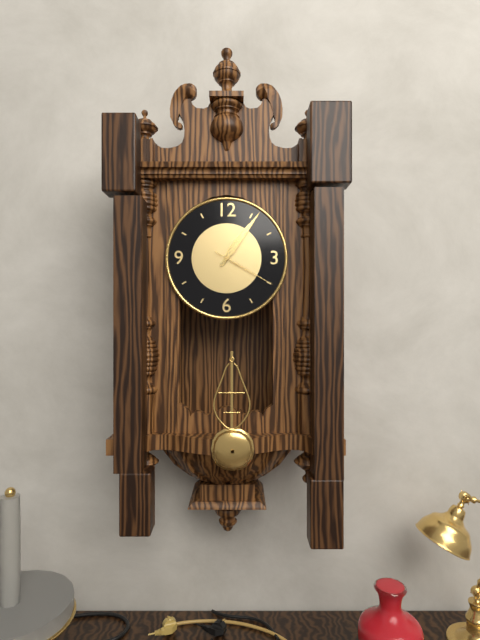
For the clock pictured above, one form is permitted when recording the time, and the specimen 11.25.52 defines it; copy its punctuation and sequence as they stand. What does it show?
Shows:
1.06.20
